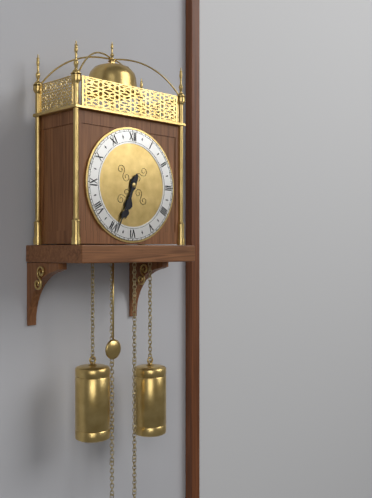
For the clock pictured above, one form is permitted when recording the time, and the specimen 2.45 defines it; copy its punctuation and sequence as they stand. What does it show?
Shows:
6.34
